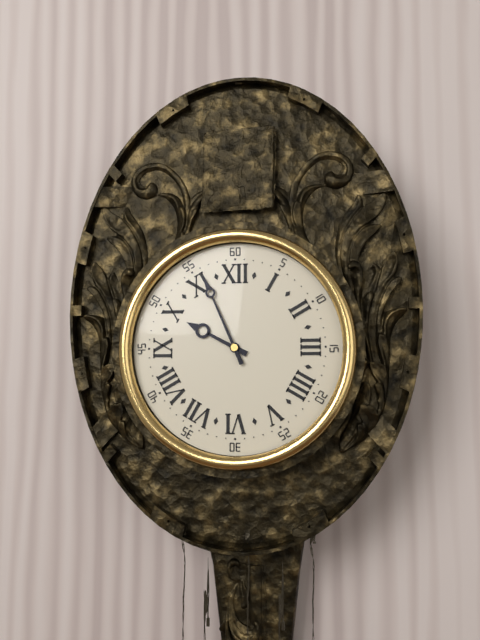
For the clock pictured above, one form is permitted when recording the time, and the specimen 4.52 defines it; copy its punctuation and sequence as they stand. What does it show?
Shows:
9.56
